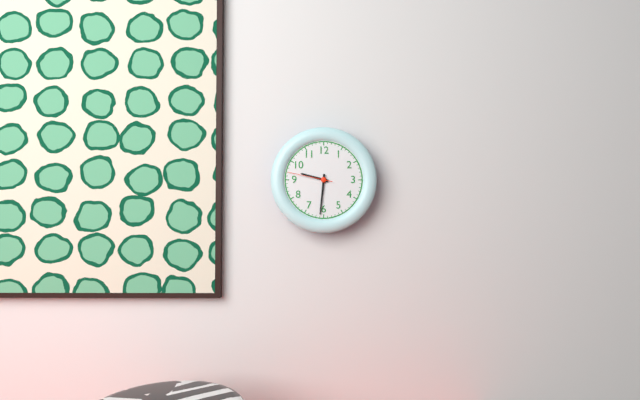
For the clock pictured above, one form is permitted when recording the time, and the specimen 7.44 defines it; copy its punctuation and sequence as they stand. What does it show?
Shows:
9.31
